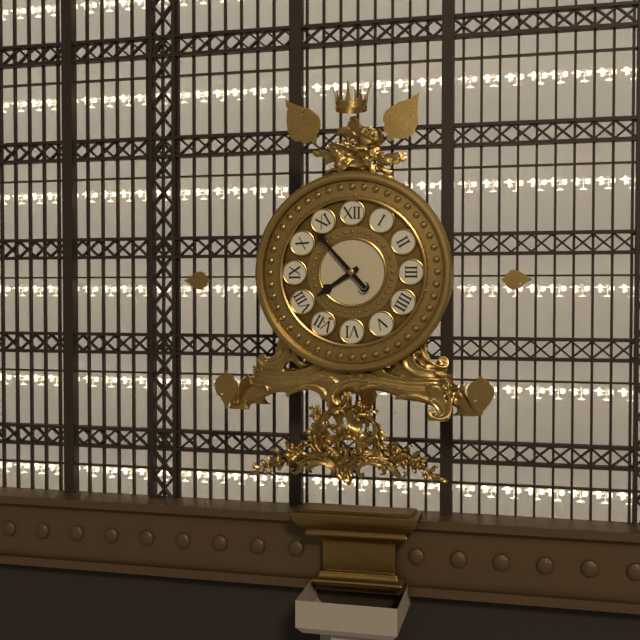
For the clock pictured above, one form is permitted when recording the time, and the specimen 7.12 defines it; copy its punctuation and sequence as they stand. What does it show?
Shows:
7.53
